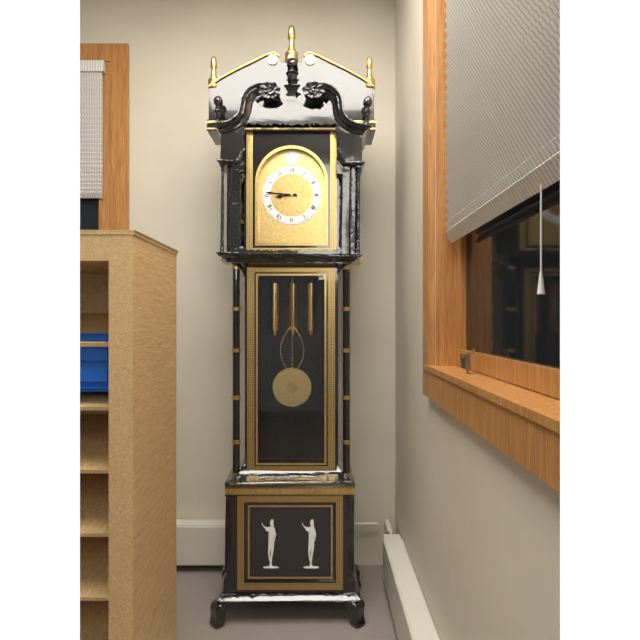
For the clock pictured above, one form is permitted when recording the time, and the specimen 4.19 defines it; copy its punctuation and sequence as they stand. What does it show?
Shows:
8.46
